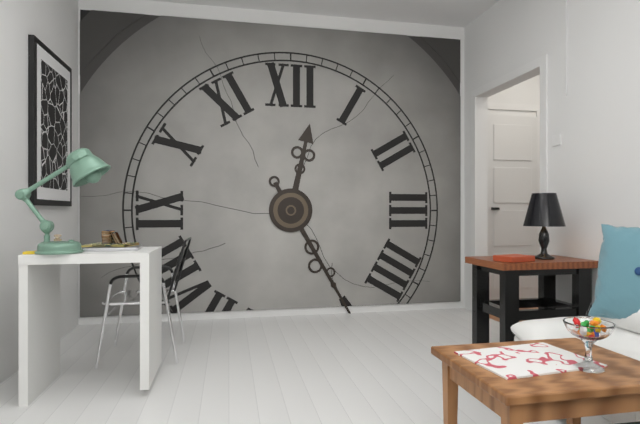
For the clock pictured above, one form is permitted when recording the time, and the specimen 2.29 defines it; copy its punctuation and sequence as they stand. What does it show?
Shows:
12.25
